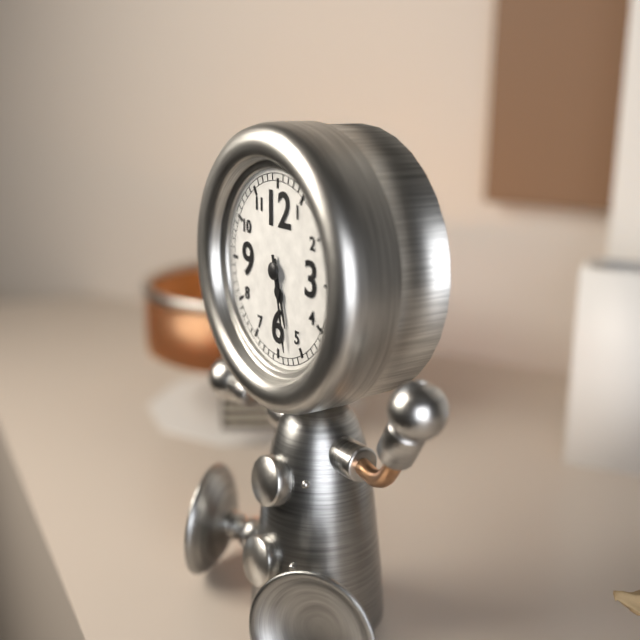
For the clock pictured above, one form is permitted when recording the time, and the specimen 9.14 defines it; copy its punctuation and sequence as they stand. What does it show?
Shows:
5.28
